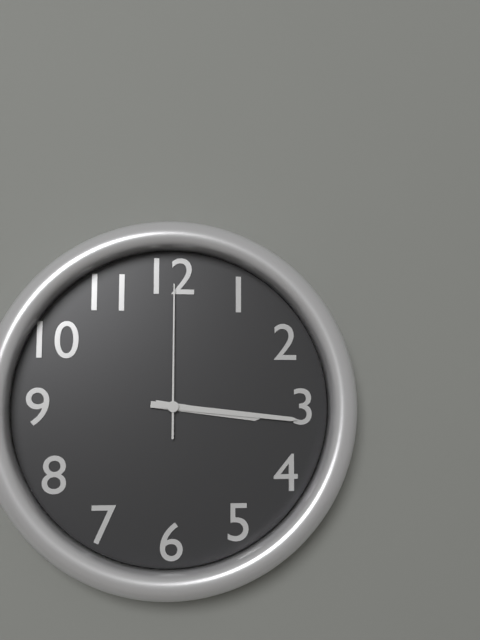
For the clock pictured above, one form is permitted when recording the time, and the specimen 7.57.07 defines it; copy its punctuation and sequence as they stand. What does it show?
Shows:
3.16.00
